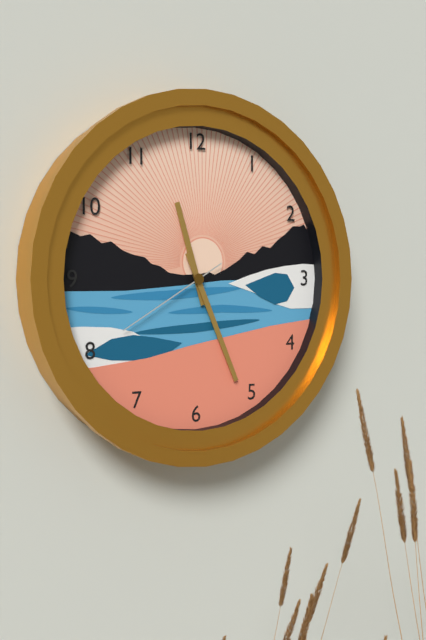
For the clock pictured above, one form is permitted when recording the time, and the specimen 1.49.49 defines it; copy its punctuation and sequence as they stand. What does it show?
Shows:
11.26.40
